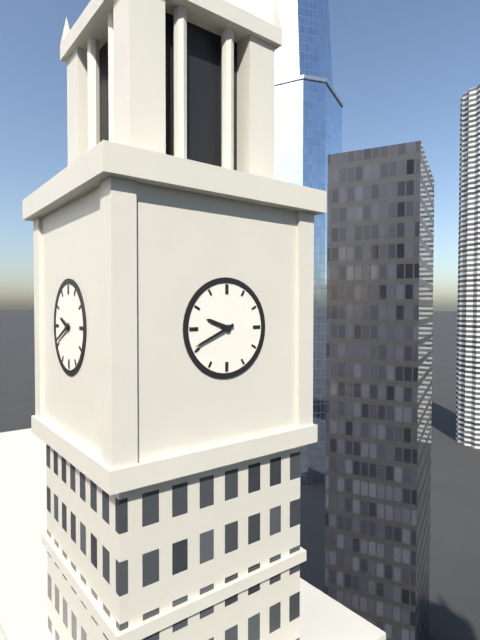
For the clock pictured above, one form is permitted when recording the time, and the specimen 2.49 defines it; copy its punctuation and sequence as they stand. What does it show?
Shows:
9.41
